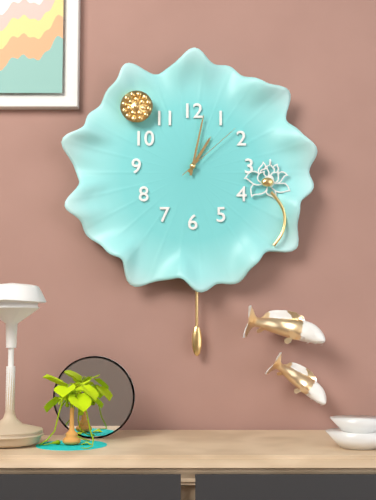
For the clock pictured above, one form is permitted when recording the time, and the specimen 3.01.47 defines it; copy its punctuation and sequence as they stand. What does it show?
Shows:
1.02.08
